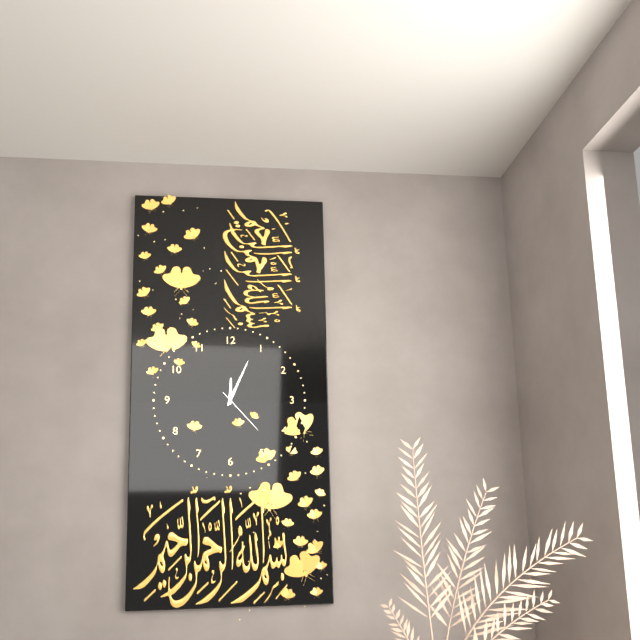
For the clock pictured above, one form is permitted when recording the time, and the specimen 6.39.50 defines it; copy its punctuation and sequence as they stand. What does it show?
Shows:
12.04.23
